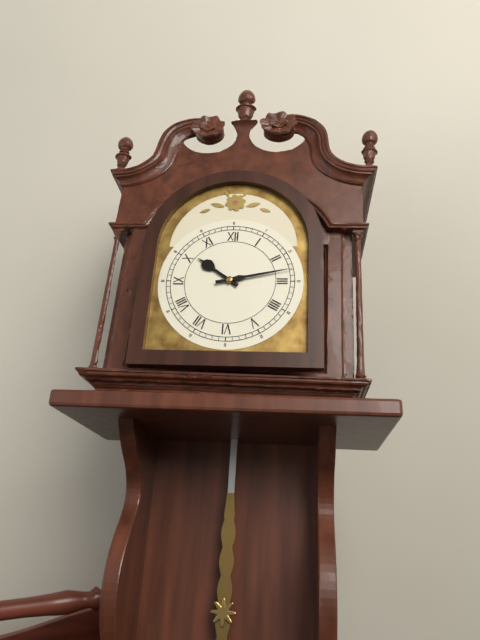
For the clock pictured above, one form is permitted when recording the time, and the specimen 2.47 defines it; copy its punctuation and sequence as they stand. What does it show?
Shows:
10.13
